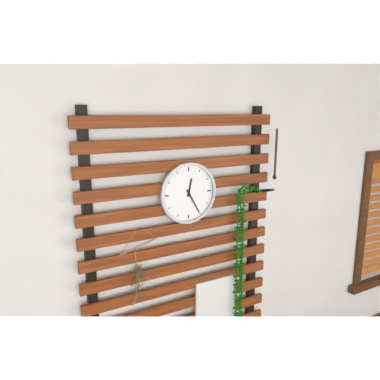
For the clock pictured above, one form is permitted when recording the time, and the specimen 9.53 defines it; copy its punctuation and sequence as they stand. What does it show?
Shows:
12.25
